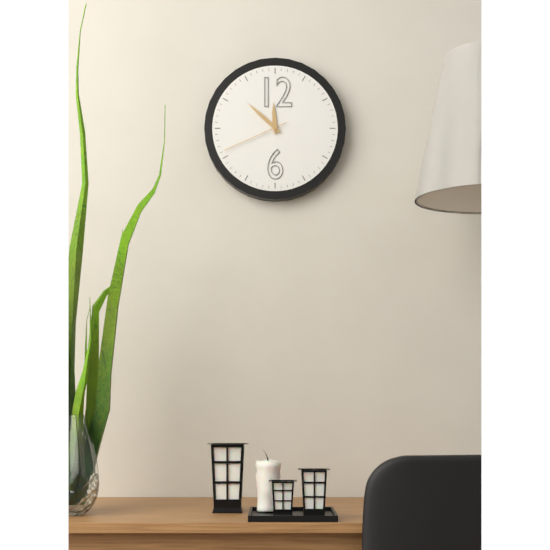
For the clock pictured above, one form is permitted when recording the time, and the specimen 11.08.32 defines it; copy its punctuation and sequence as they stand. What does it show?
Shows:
11.52.41
